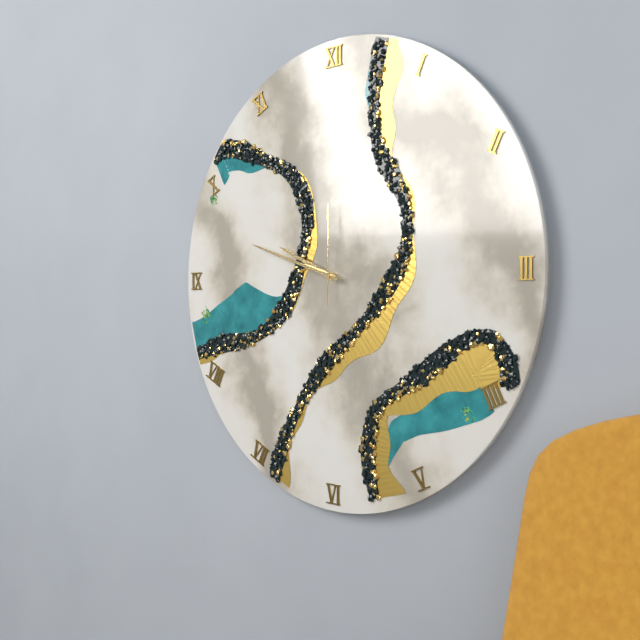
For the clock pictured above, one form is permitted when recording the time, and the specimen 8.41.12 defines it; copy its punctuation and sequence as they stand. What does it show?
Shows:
9.48.00
